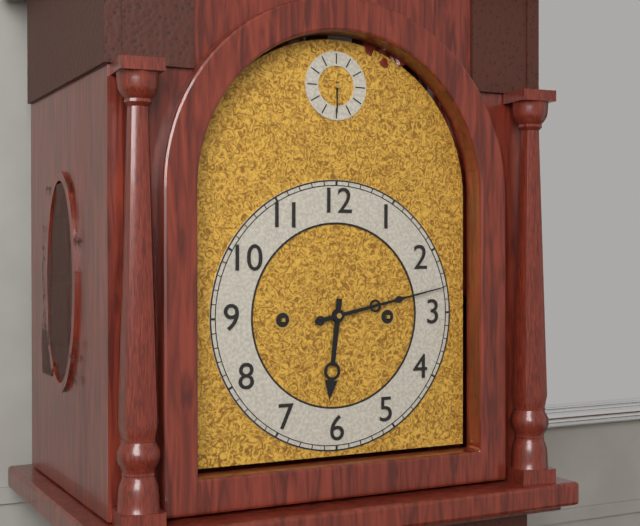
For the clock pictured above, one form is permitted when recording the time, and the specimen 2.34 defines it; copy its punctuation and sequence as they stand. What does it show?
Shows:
6.13
